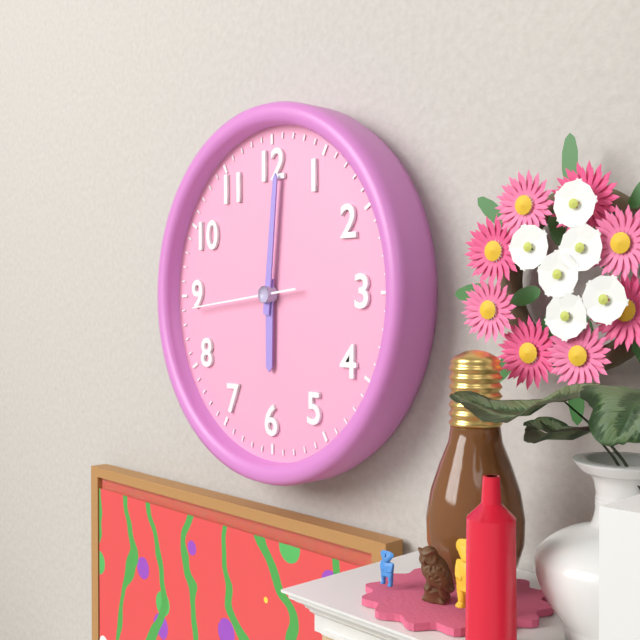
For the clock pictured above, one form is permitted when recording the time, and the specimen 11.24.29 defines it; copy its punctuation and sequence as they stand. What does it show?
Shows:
6.01.44
